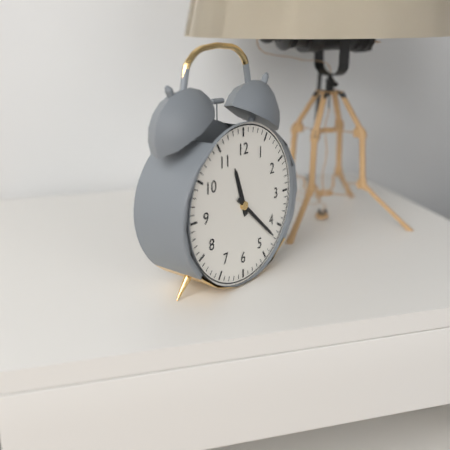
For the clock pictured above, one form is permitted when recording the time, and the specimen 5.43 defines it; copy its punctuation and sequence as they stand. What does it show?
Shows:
11.22
